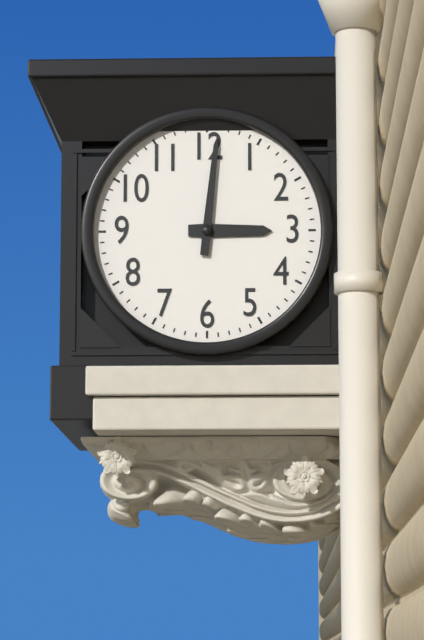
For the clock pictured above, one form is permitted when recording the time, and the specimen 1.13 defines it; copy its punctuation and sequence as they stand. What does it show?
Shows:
3.01
